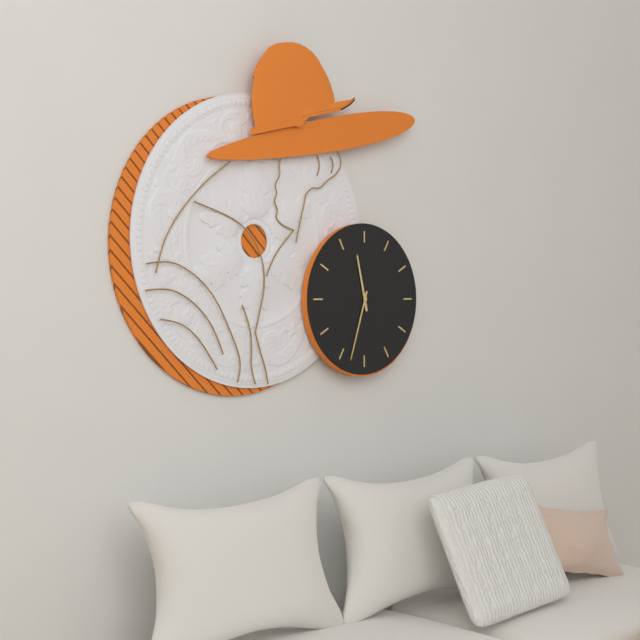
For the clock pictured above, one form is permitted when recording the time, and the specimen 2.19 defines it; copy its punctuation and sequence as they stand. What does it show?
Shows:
11.33
